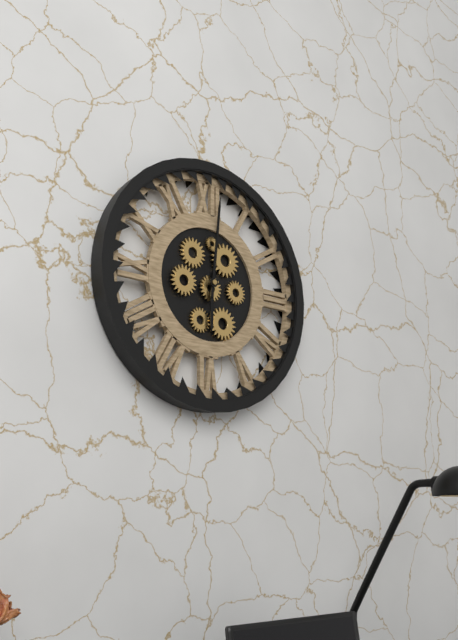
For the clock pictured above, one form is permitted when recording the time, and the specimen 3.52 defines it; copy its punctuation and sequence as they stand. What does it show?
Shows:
6.01
